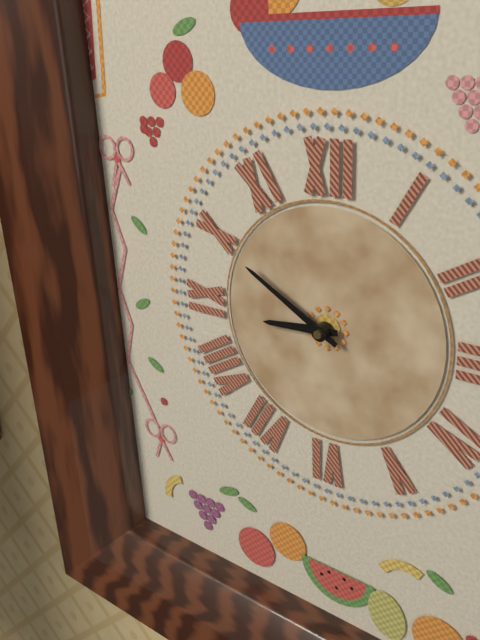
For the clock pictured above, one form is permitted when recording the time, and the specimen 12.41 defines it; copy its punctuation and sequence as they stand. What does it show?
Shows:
8.50
